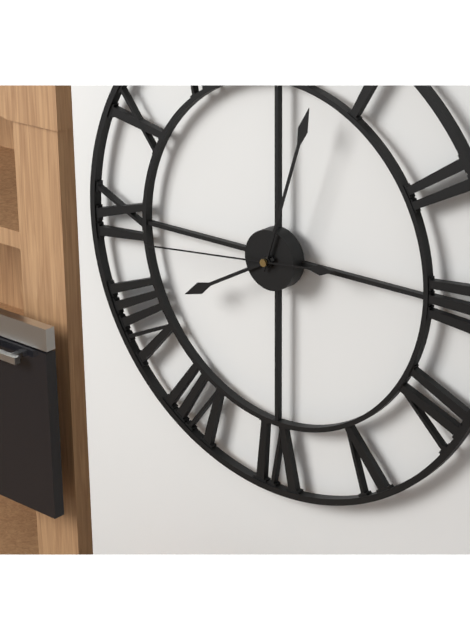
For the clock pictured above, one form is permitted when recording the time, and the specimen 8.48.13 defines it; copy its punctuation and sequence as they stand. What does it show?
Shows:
8.03.44
